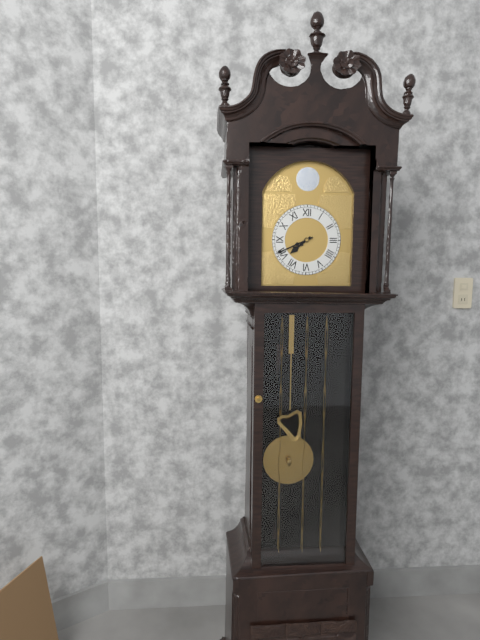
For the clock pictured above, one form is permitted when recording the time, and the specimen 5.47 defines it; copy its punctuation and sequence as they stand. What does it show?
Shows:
7.41
